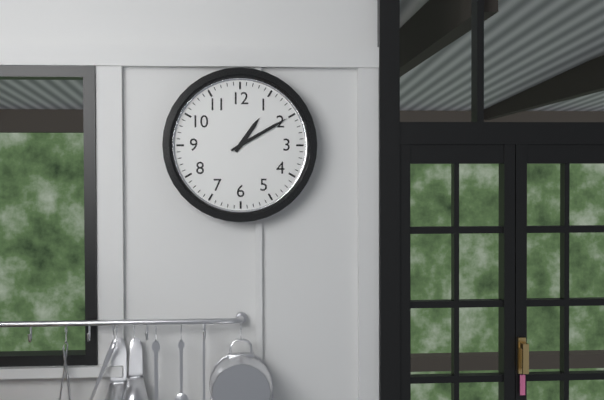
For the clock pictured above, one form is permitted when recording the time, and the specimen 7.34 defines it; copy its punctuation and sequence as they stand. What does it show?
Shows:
1.10
